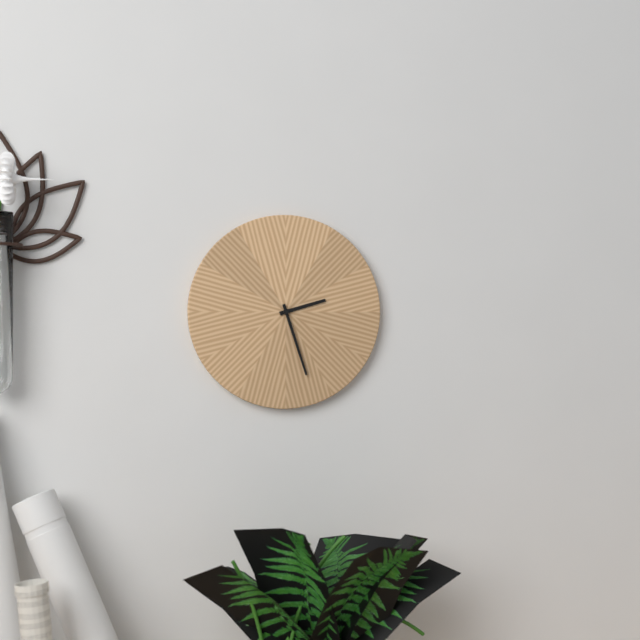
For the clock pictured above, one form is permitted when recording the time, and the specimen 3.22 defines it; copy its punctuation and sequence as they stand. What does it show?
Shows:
2.27
